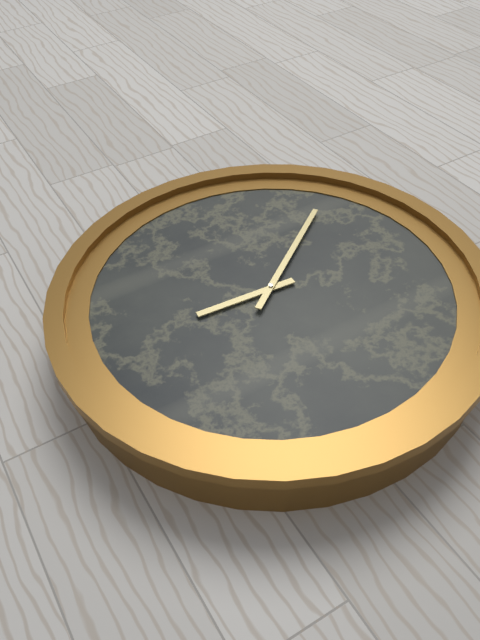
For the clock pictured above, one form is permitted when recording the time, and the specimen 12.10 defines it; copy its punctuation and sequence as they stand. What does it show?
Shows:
9.09
